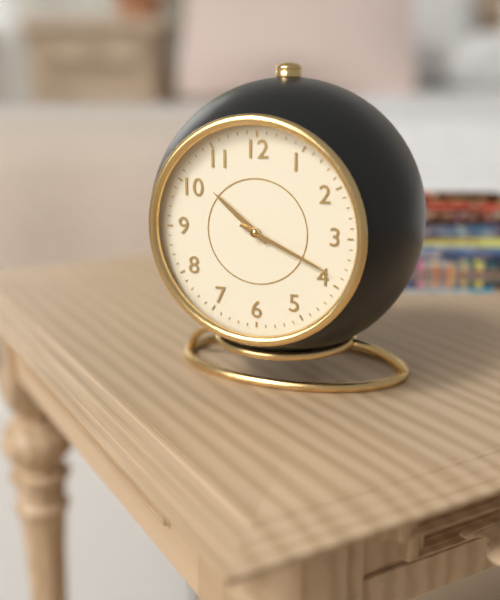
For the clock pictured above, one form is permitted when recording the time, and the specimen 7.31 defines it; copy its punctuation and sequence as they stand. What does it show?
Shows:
10.19
